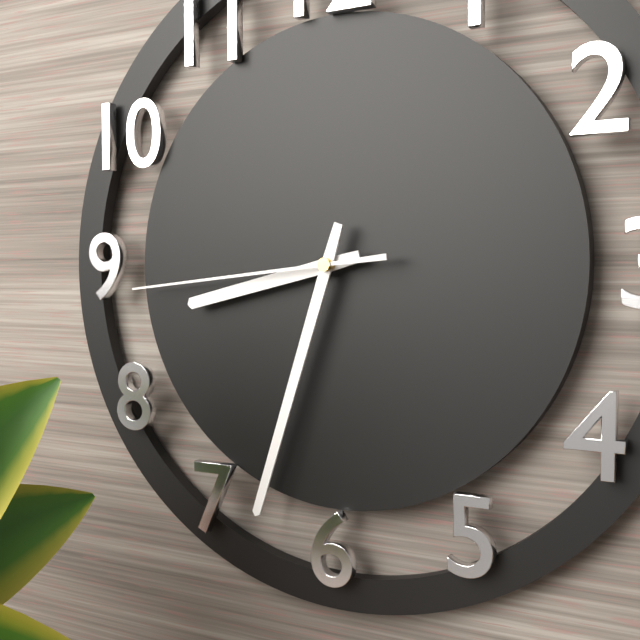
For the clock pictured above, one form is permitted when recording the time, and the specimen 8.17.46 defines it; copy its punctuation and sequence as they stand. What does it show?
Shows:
8.33.44
